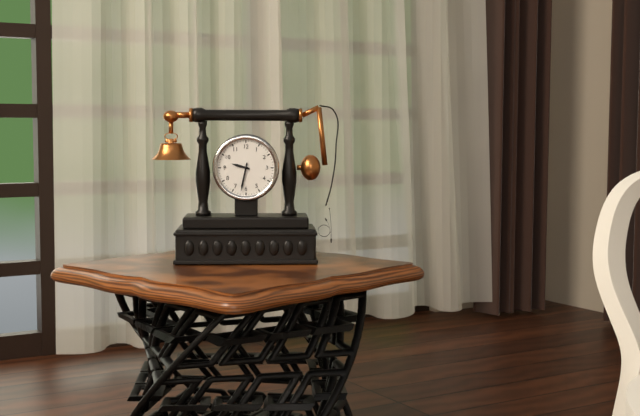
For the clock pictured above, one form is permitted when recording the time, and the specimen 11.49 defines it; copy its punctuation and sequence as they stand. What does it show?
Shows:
9.32
